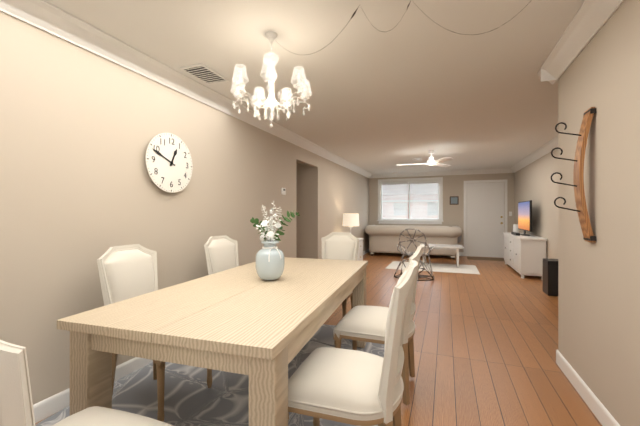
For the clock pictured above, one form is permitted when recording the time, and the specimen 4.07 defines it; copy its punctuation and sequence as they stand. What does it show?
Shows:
12.49
